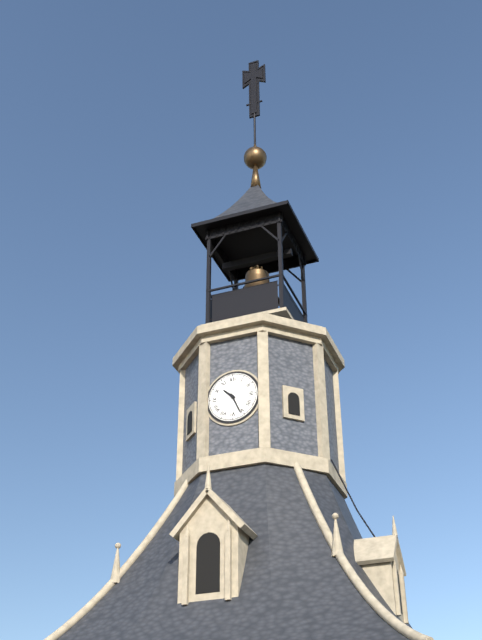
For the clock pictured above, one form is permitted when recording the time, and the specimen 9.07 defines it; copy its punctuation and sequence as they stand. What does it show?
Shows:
10.26
